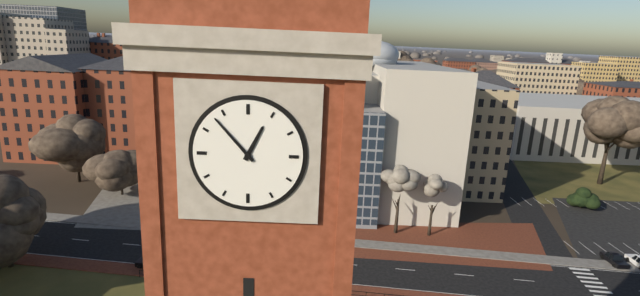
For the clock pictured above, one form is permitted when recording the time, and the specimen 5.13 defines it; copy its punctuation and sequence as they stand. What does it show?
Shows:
12.53
